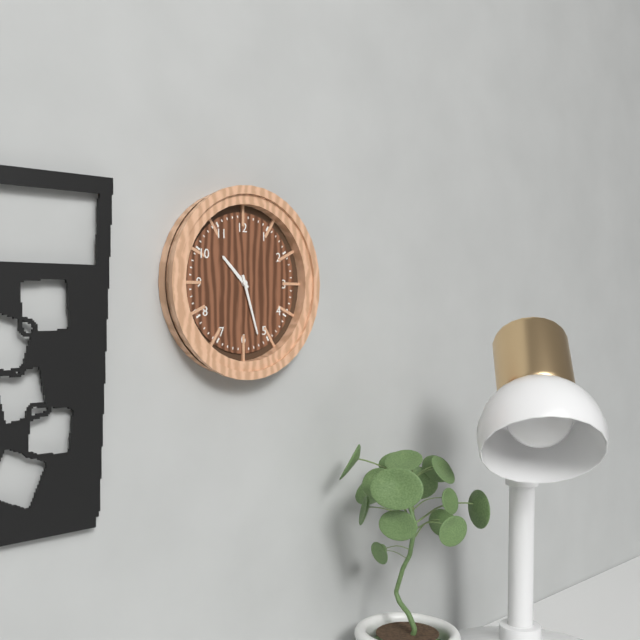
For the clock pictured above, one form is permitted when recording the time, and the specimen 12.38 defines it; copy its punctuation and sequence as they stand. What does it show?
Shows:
10.27
